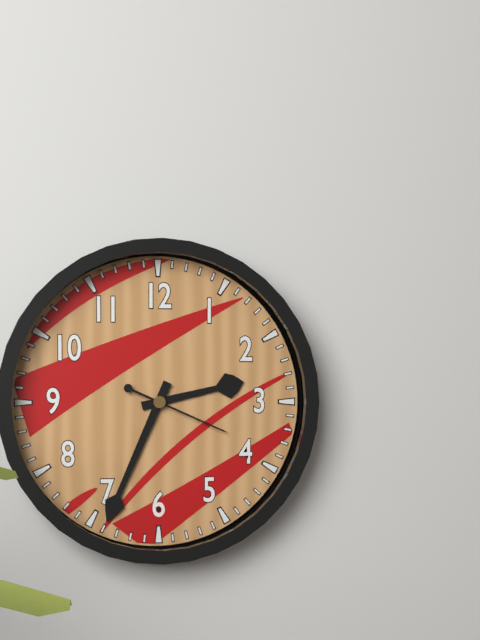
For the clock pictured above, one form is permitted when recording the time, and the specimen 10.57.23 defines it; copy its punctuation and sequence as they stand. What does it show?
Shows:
2.34.19
